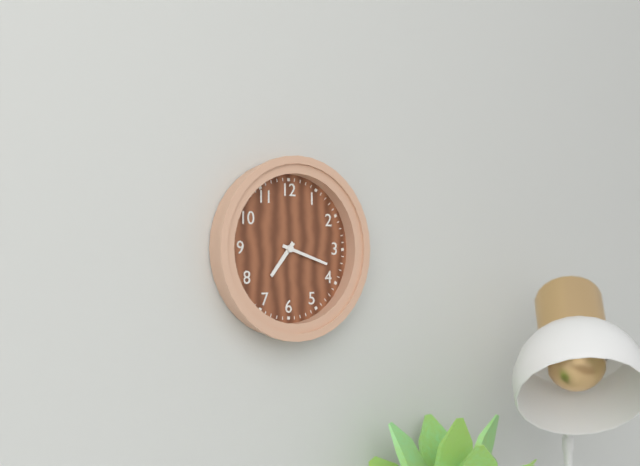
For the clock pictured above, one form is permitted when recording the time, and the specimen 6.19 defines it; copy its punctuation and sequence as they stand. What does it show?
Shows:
7.18
